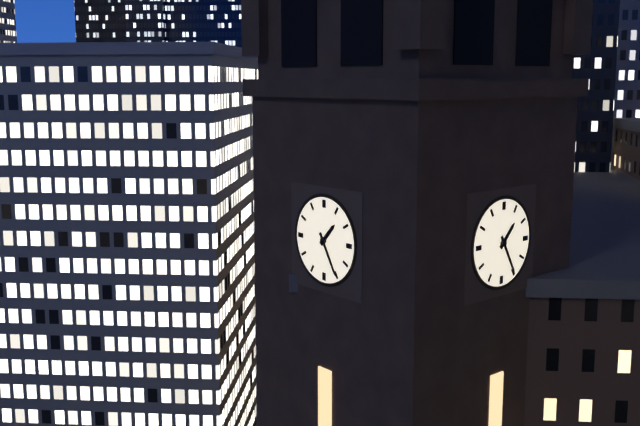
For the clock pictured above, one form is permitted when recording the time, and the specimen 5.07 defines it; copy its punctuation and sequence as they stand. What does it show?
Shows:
1.25
